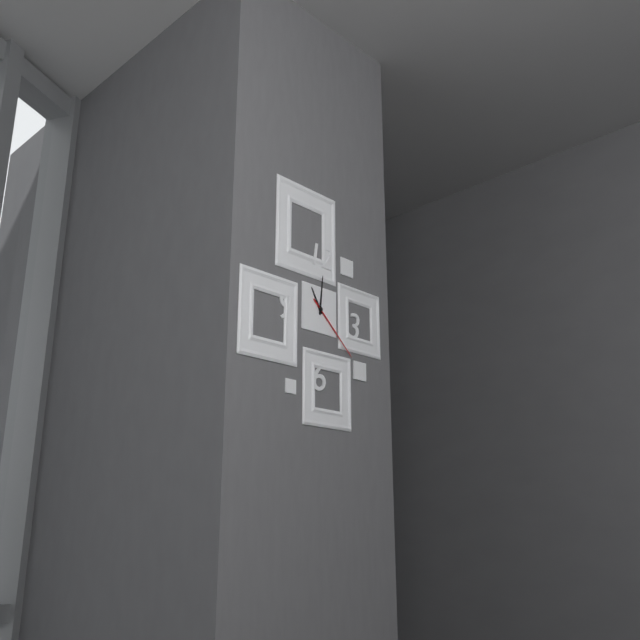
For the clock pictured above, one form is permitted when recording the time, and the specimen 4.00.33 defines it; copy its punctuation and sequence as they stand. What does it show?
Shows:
11.01.22
